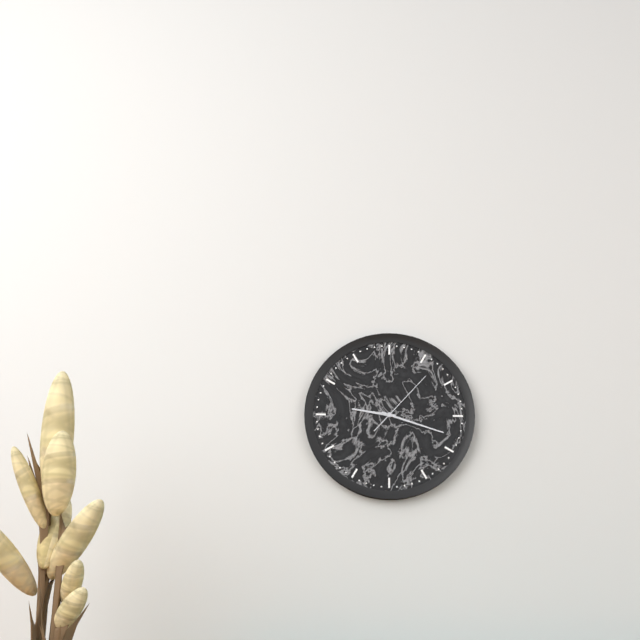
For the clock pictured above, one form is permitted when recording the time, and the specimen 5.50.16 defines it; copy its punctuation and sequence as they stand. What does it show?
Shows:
9.18.07
